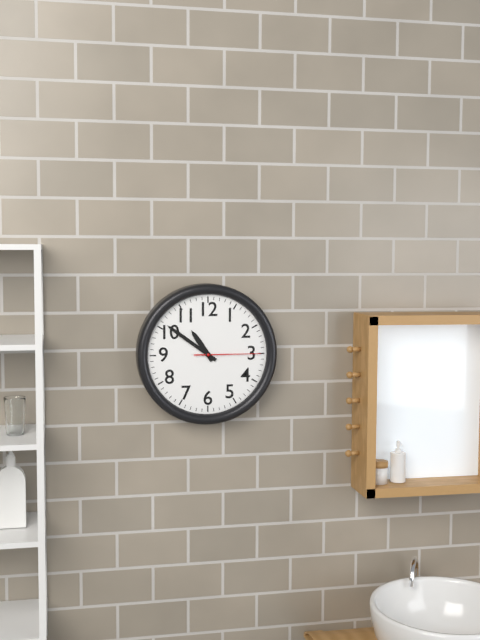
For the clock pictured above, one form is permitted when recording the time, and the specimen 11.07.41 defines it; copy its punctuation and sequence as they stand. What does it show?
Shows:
10.51.15
